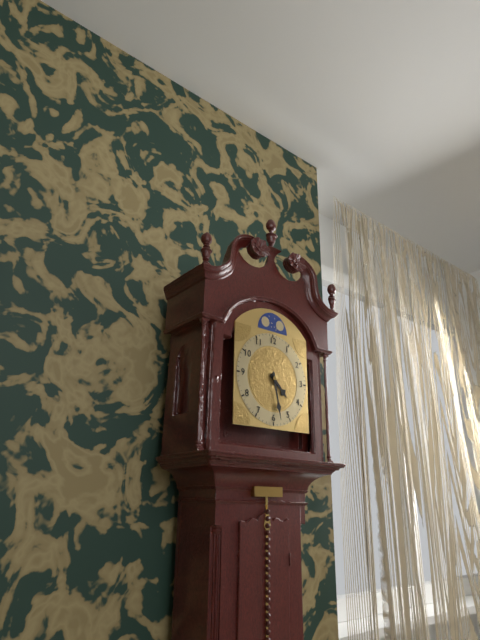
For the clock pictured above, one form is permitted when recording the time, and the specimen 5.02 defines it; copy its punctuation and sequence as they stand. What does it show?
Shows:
4.28
